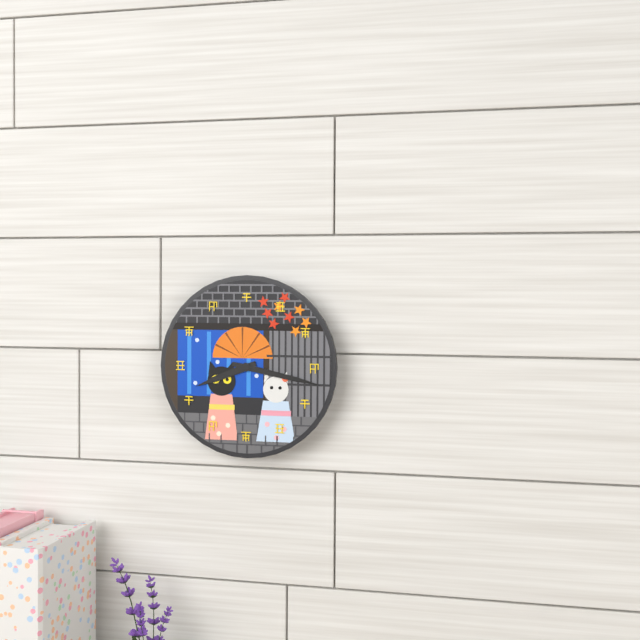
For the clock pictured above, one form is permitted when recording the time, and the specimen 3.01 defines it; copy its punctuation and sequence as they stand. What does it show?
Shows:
8.17
